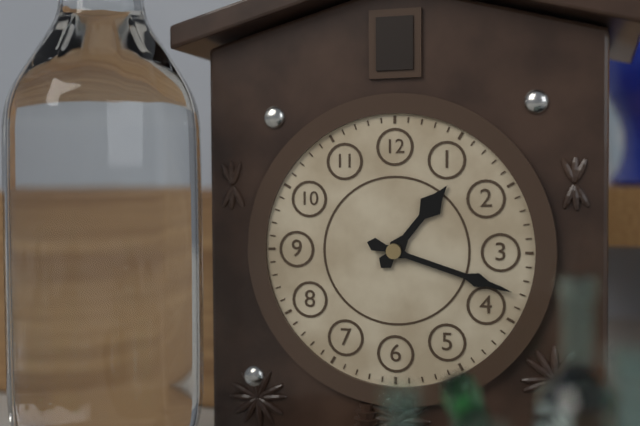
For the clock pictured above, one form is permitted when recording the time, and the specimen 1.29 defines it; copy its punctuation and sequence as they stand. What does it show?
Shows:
1.18
